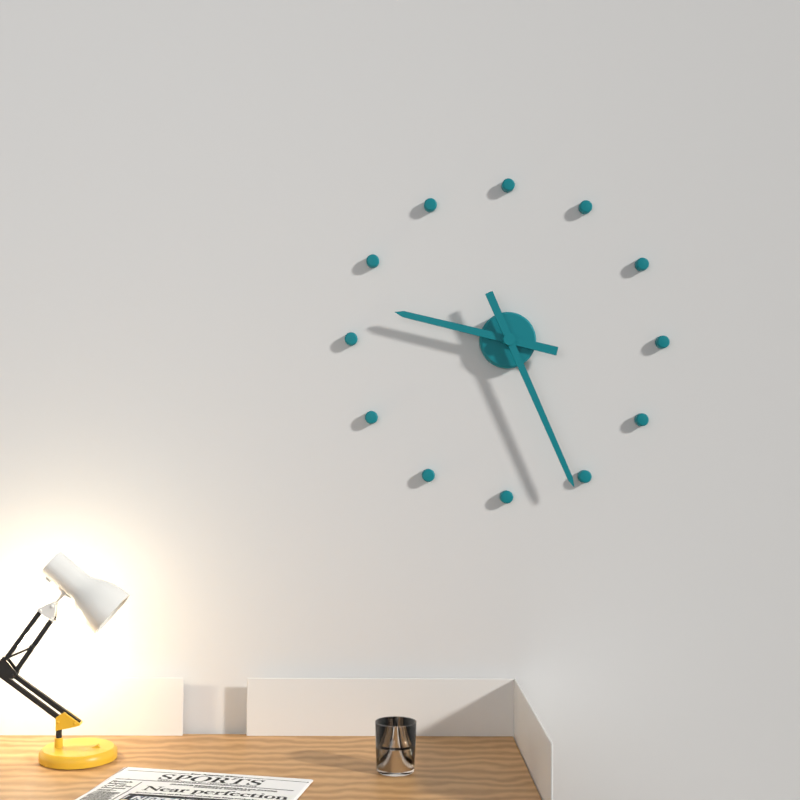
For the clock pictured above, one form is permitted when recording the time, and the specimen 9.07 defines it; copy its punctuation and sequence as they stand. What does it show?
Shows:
9.26
